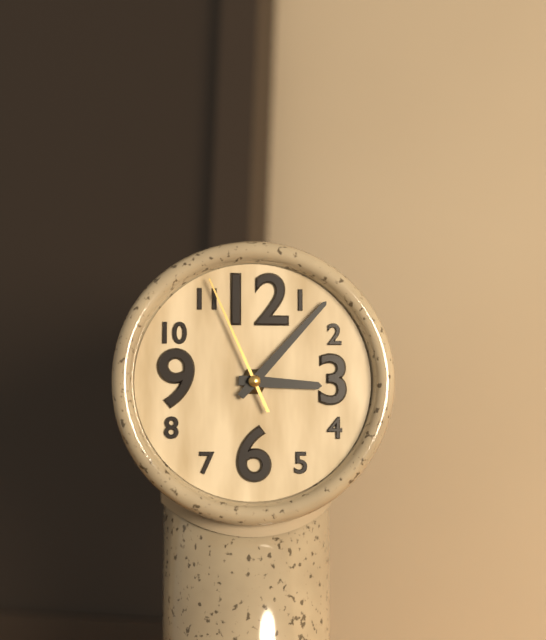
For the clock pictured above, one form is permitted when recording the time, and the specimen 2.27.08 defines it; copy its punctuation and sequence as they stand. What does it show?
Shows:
3.07.56
